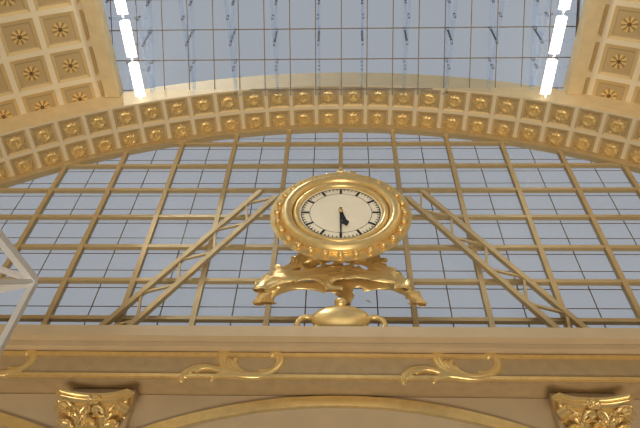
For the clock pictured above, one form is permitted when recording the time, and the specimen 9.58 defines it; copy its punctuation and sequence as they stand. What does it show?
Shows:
5.30
